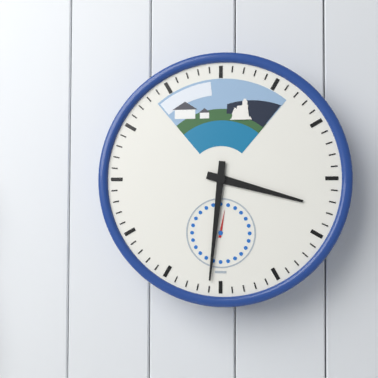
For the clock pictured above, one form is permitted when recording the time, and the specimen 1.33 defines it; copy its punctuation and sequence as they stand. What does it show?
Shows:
3.31
